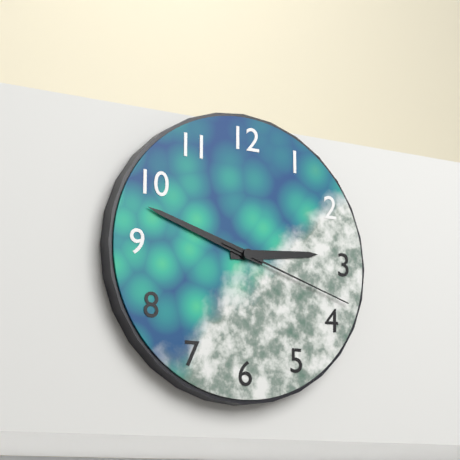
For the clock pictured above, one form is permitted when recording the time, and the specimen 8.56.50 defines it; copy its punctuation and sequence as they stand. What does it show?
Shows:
2.48.18
